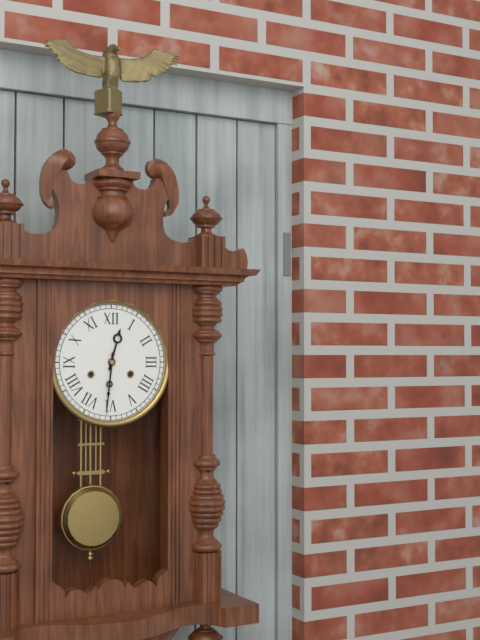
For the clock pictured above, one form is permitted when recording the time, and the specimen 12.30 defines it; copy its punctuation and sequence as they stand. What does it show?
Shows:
12.31
